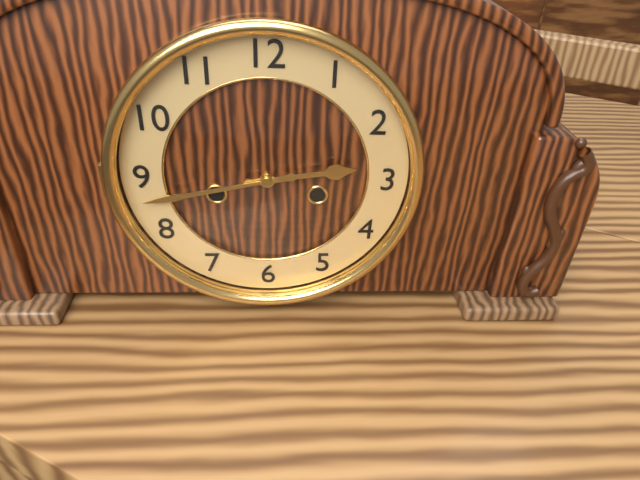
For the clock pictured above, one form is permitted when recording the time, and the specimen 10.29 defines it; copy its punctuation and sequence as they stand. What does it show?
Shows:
2.43
